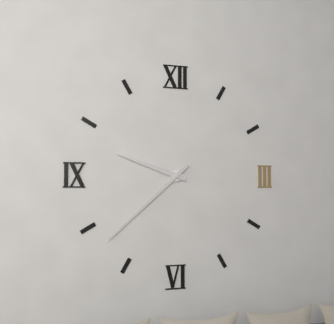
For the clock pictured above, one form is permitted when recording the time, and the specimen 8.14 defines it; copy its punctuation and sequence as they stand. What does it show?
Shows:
9.38
